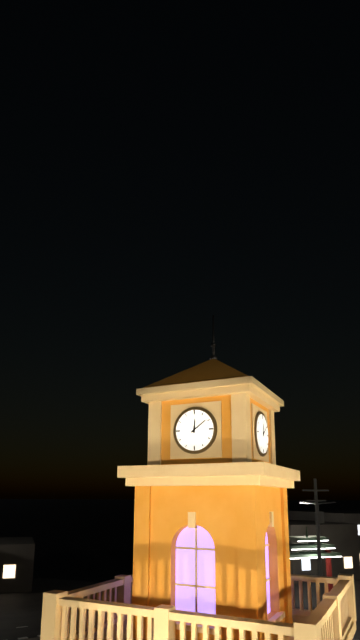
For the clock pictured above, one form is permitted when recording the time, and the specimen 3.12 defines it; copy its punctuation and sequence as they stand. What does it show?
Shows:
12.09
